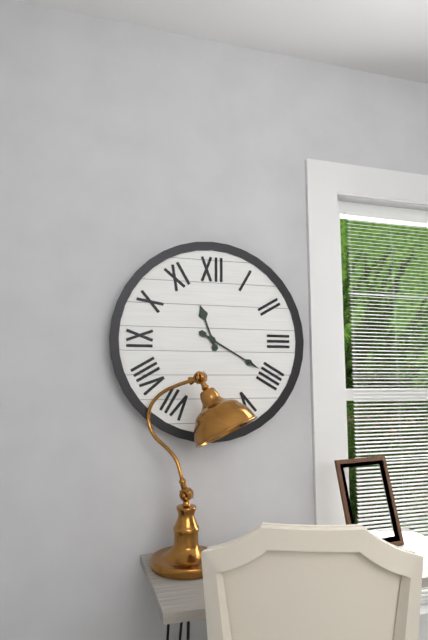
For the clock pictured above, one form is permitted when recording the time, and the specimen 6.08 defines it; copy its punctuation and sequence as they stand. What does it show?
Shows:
11.20
